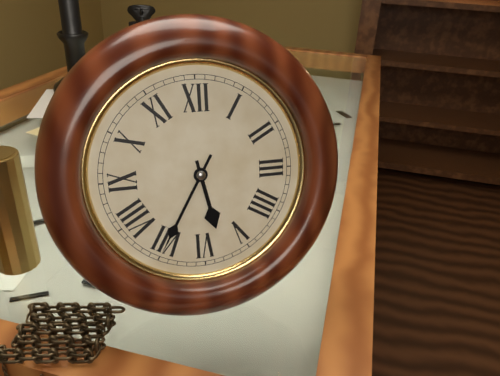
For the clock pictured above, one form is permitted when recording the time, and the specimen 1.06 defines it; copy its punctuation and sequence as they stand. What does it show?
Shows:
5.35
